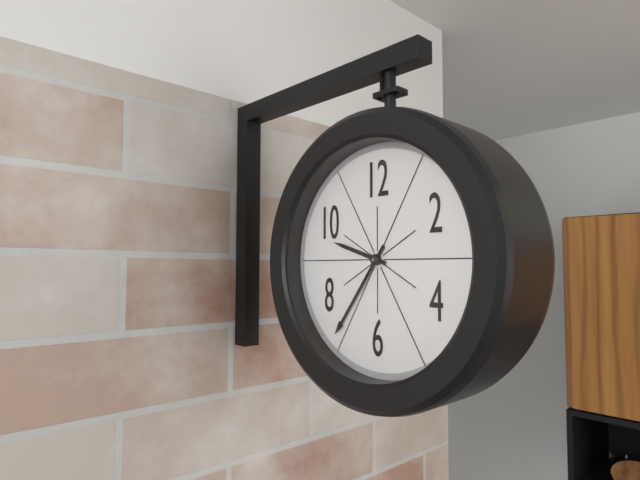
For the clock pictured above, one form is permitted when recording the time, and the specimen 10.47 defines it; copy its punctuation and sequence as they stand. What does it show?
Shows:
9.36
